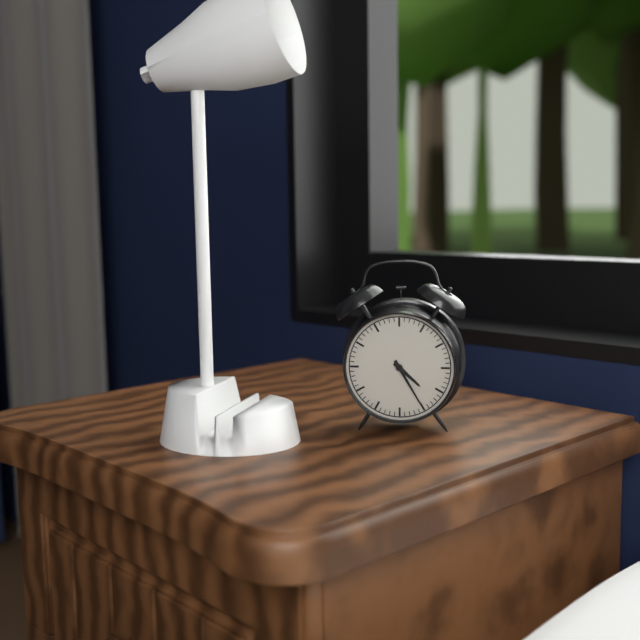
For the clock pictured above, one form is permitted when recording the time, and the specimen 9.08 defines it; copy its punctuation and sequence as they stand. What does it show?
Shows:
4.25
